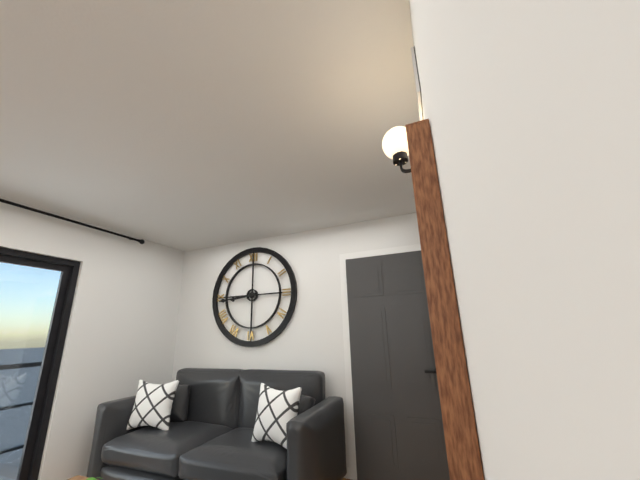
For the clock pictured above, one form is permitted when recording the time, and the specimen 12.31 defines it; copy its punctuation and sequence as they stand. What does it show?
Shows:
8.44
